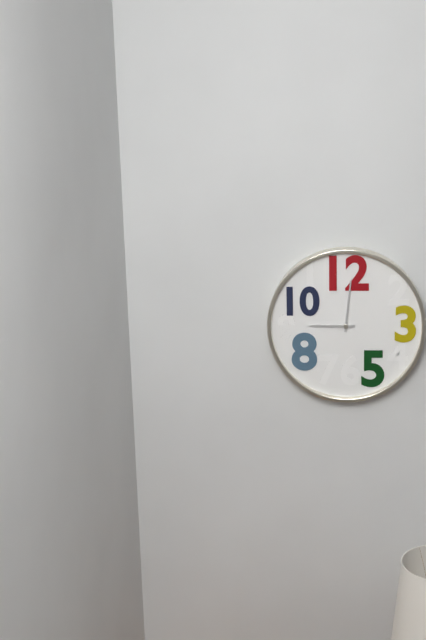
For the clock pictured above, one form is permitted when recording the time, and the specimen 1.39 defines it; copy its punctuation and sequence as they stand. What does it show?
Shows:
9.01
